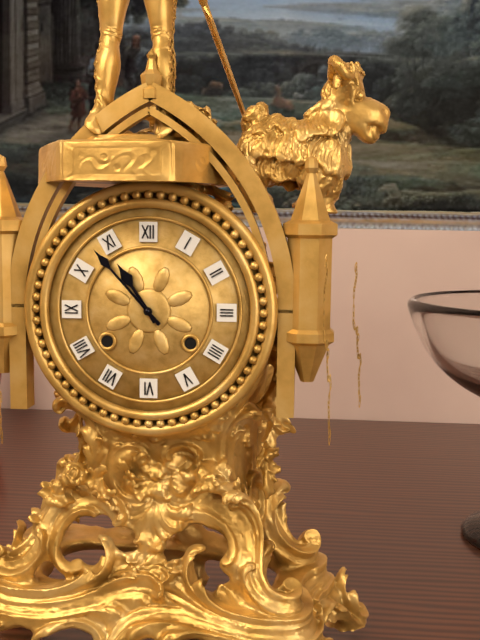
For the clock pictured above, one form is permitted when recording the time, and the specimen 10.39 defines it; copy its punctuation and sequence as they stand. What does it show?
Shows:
10.53
